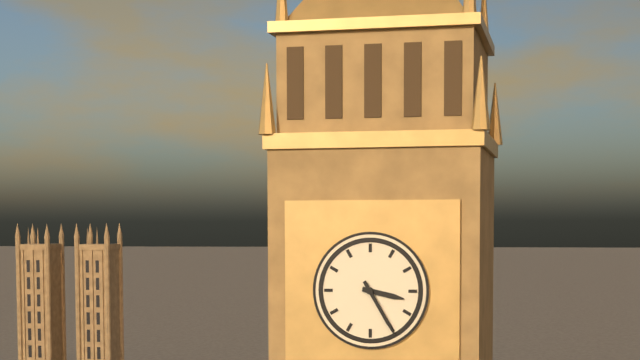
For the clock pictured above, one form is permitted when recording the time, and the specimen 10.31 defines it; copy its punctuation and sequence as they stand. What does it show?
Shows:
3.25
